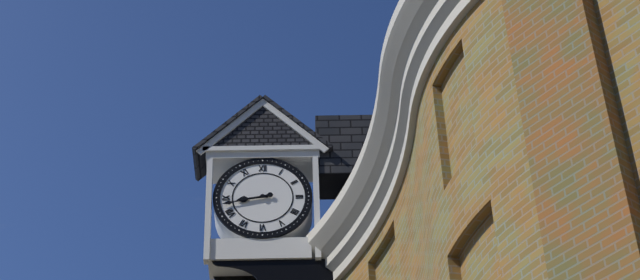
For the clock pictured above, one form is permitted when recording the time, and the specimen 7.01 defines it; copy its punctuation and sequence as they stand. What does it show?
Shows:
8.43
